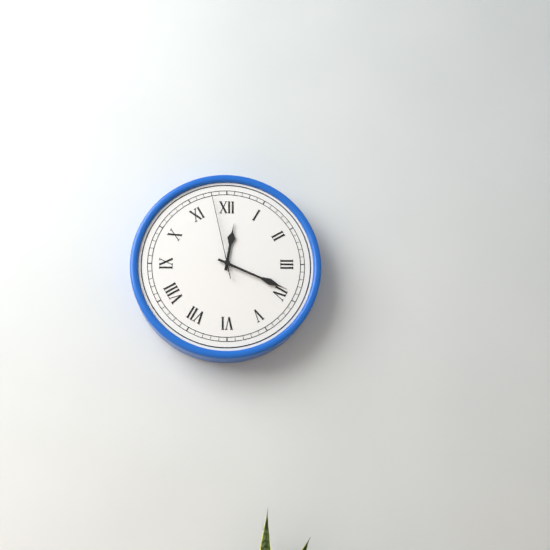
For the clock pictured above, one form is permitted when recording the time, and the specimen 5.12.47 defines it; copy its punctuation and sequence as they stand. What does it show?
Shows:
12.19.58
